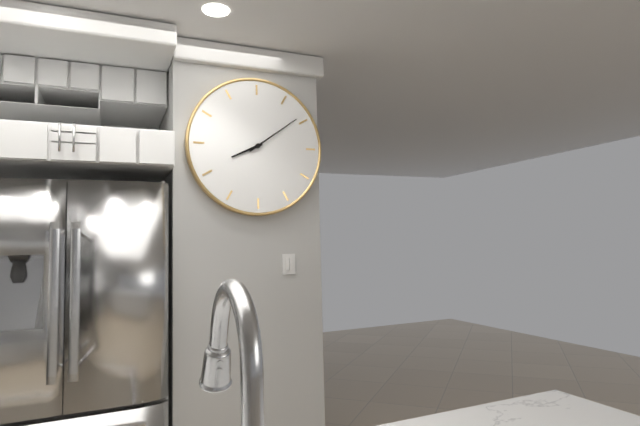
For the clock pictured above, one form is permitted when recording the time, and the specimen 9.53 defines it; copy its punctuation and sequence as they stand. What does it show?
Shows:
8.09
